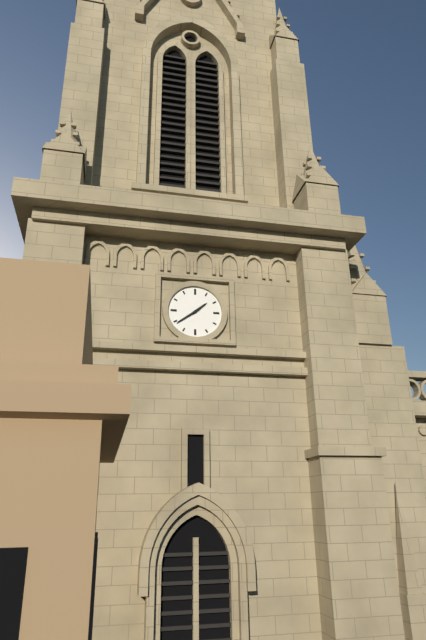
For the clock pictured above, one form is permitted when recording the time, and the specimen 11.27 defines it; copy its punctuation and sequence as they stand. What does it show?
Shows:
1.39
